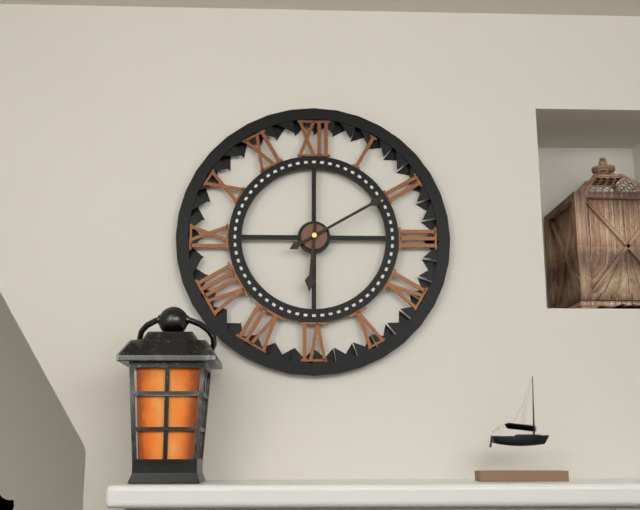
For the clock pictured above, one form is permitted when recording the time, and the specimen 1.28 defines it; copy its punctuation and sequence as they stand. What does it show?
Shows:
6.10
